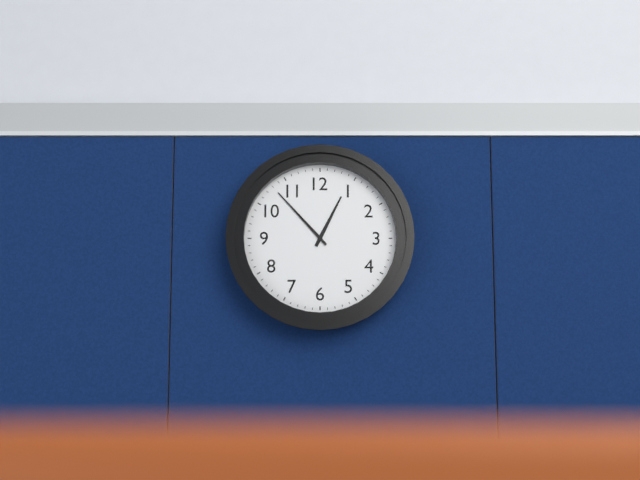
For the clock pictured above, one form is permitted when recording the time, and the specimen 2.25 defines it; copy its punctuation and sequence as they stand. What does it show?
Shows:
12.53
